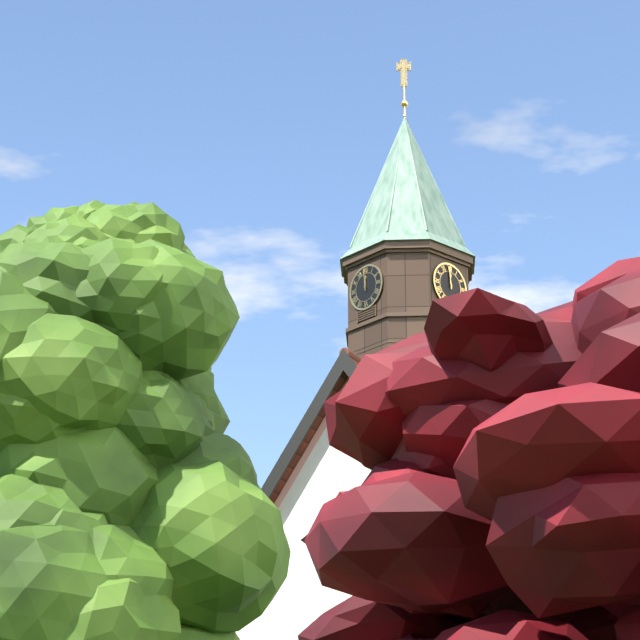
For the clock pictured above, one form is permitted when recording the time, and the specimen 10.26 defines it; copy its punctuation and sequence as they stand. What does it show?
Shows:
11.59
